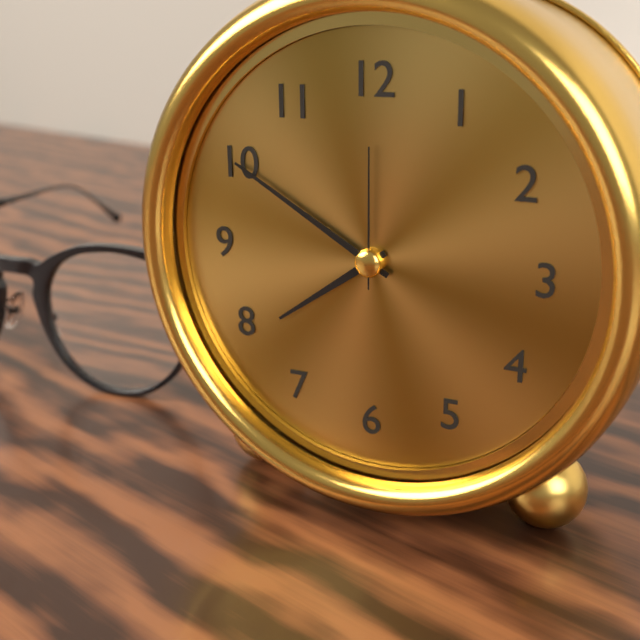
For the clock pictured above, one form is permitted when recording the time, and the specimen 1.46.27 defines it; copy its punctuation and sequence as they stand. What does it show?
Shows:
7.50.00
